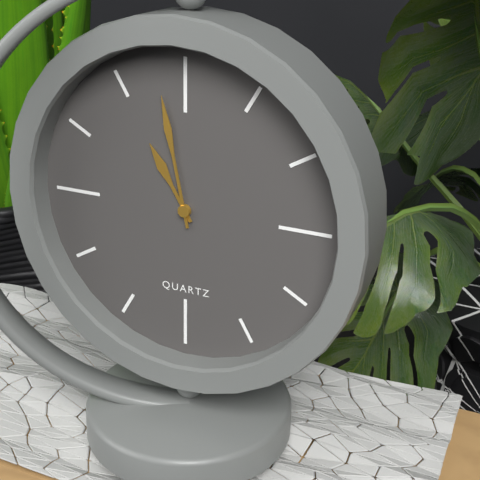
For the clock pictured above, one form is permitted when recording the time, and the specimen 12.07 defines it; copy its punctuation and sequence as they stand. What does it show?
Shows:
10.58
